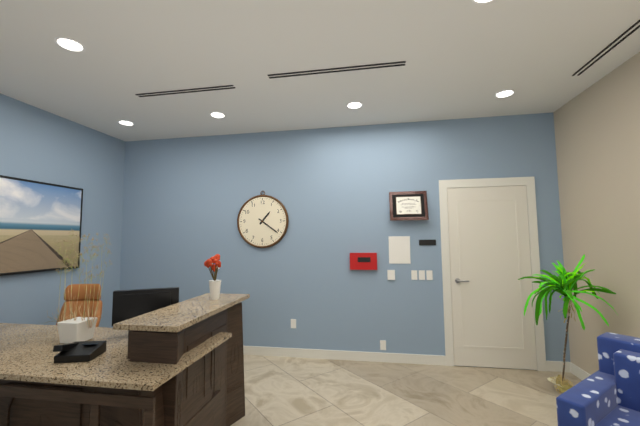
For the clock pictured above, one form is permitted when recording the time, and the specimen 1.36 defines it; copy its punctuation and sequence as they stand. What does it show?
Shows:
1.21
